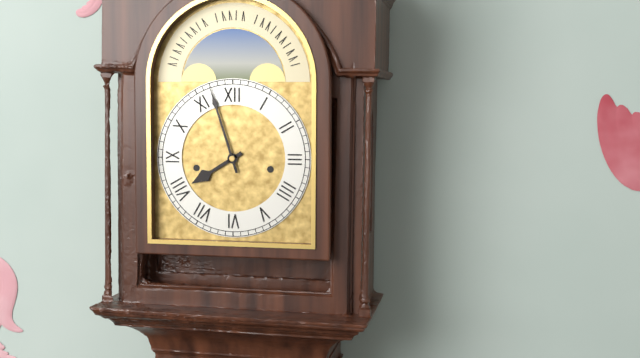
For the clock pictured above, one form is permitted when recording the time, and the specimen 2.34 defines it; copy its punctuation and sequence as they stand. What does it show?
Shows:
7.57
